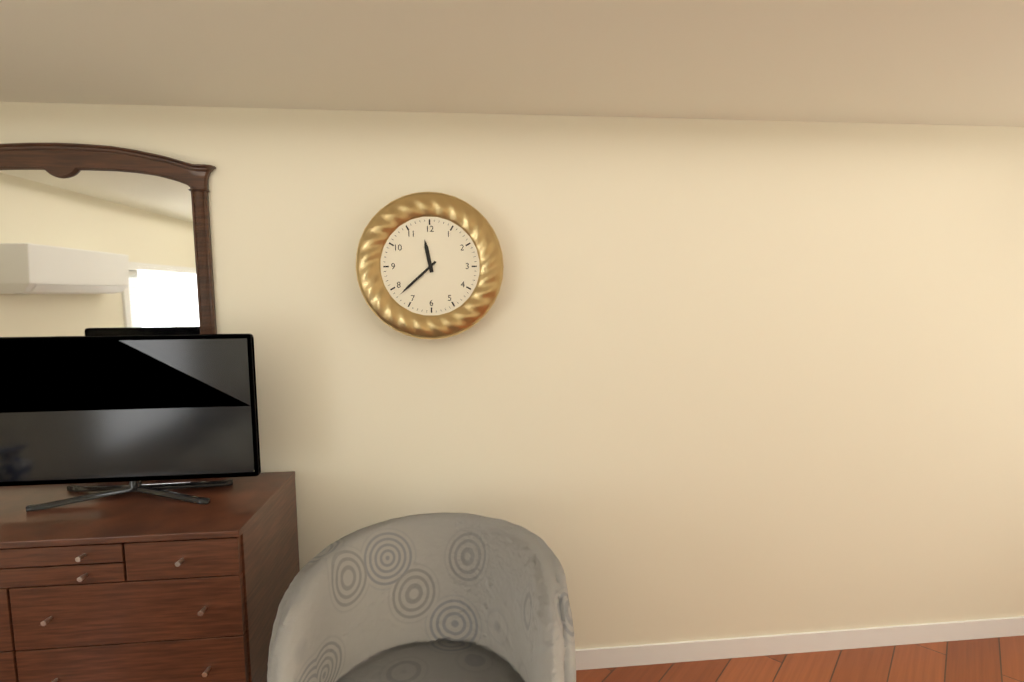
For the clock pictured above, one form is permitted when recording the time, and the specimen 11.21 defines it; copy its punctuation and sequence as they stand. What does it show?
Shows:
11.38
